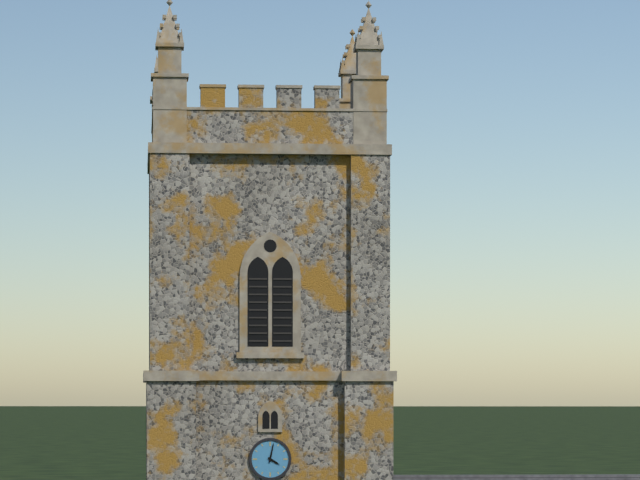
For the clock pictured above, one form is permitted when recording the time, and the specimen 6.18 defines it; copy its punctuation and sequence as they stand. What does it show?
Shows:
4.02
